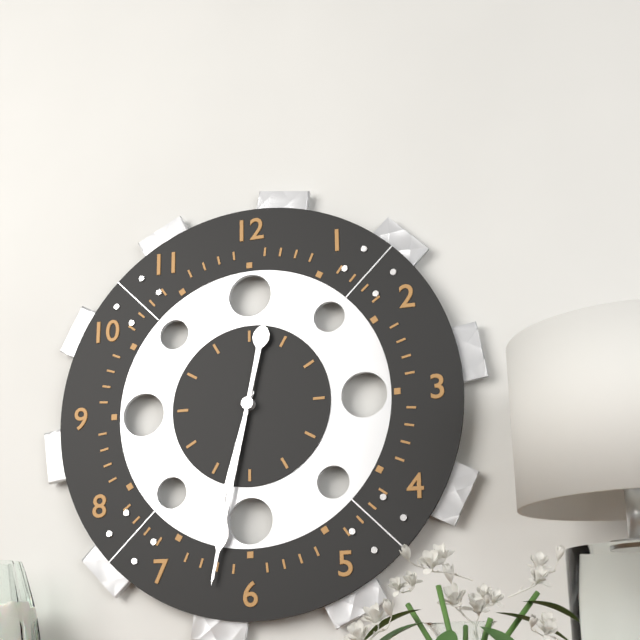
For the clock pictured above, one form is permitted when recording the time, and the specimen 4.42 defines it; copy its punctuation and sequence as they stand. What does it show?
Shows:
6.32
